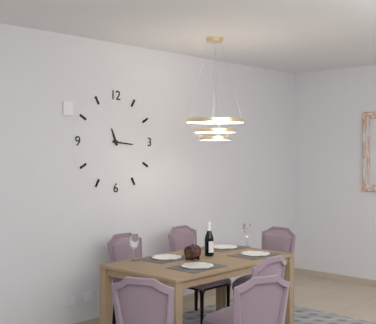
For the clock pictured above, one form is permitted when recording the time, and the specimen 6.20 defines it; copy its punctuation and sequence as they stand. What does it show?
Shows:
11.16
